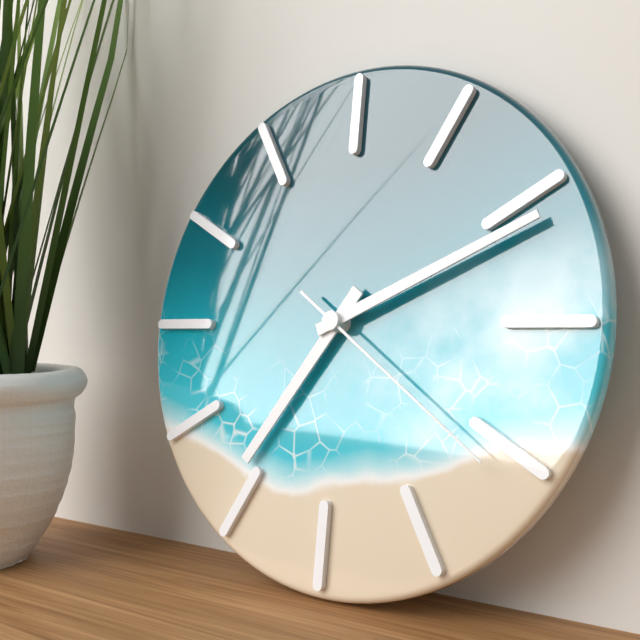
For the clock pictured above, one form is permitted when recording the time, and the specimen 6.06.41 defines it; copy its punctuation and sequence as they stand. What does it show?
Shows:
7.11.21
